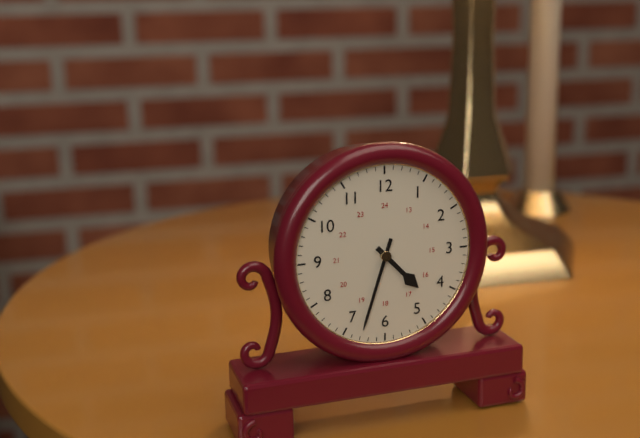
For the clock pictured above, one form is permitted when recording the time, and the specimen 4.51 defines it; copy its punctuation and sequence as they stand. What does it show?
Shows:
4.33
